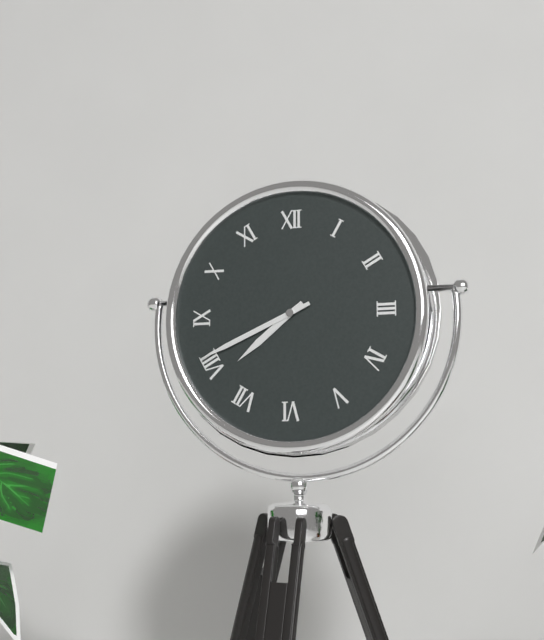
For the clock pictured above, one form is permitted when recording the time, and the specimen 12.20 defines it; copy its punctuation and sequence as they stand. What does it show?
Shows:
7.41
